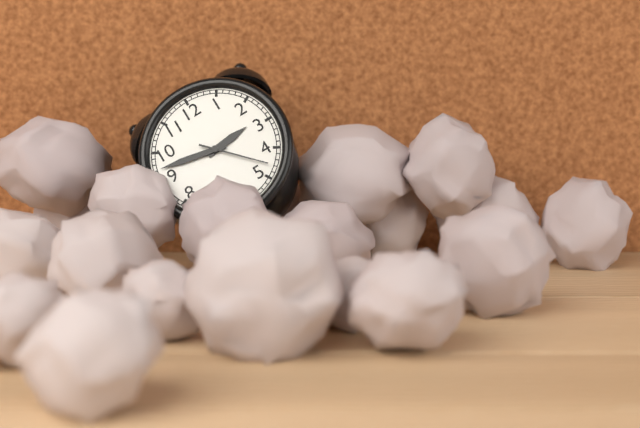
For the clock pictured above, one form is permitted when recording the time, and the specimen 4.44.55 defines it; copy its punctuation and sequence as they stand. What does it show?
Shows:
2.47.23
